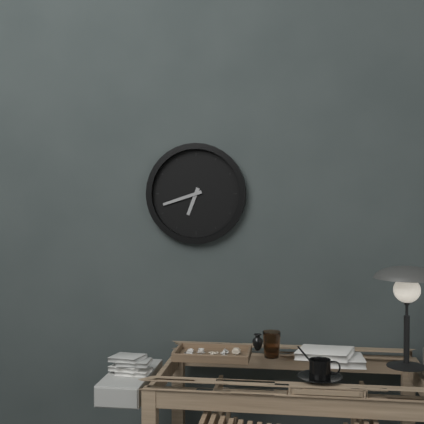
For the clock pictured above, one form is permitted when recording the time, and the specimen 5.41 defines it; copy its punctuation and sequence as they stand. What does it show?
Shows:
6.42
